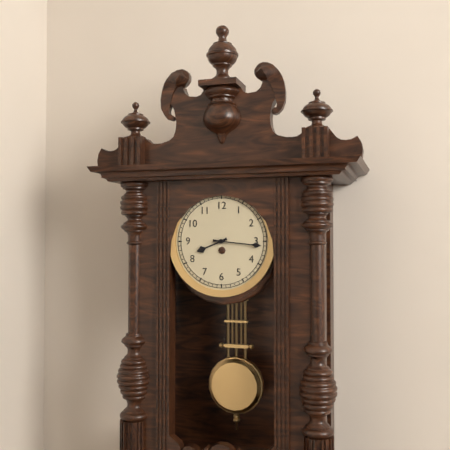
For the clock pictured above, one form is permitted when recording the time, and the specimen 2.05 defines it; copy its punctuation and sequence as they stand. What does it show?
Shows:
8.16
